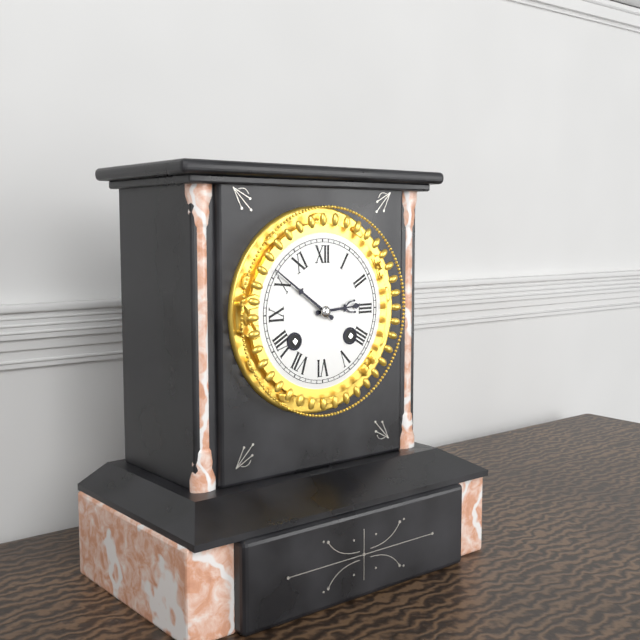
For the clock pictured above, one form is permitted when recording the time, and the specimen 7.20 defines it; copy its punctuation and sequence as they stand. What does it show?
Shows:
2.51
